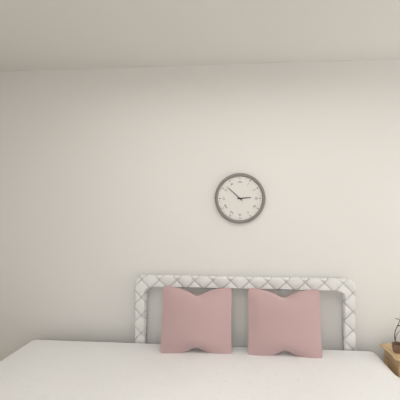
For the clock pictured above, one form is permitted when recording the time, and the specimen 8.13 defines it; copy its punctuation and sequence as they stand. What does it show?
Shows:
2.52
